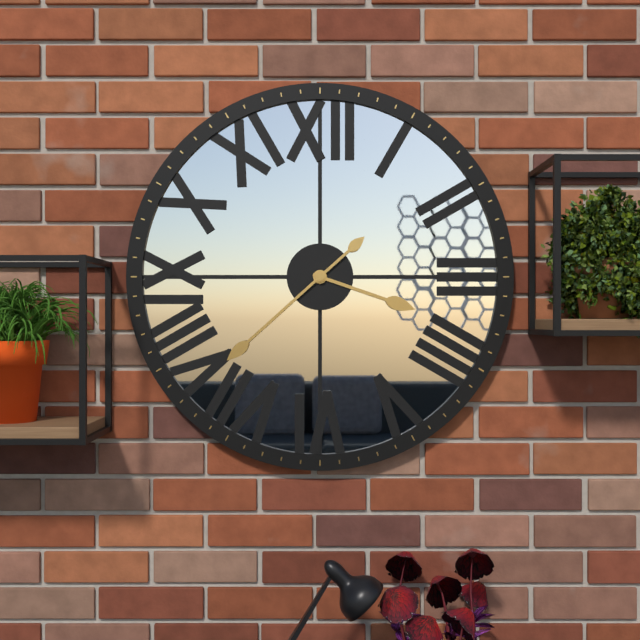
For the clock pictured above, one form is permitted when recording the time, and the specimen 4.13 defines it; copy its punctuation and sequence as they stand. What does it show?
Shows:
3.38
